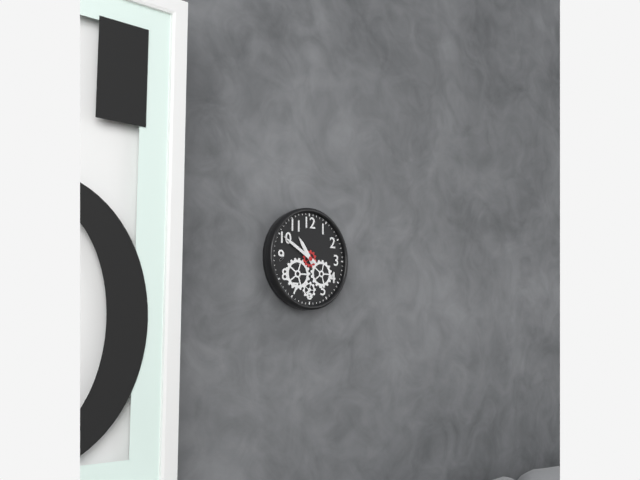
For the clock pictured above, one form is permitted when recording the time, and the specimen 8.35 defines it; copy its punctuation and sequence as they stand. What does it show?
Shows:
10.50
